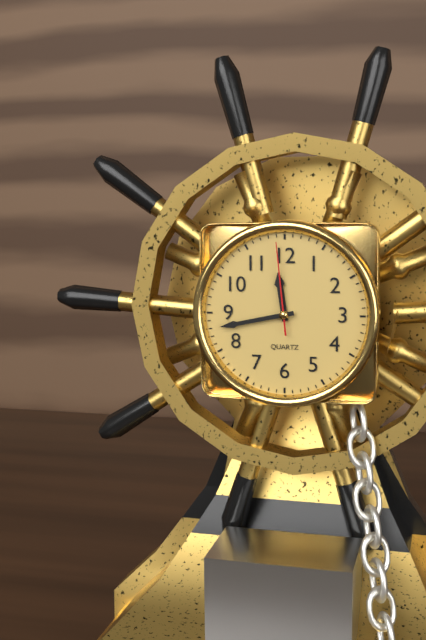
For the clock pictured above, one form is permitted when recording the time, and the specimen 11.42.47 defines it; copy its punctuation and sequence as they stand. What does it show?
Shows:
11.43.59
